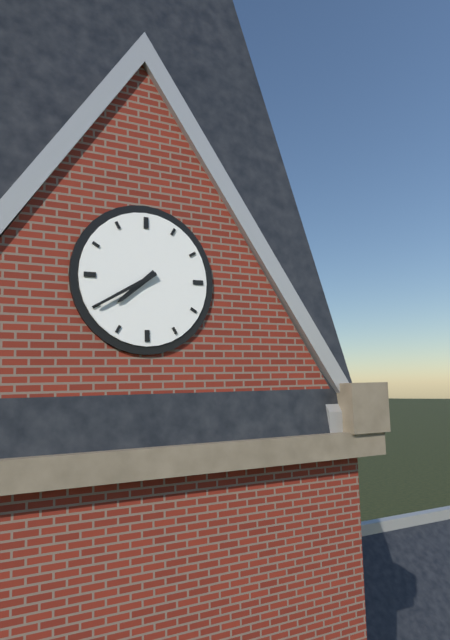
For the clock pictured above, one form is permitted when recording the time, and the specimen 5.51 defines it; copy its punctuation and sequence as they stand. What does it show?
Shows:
7.40
